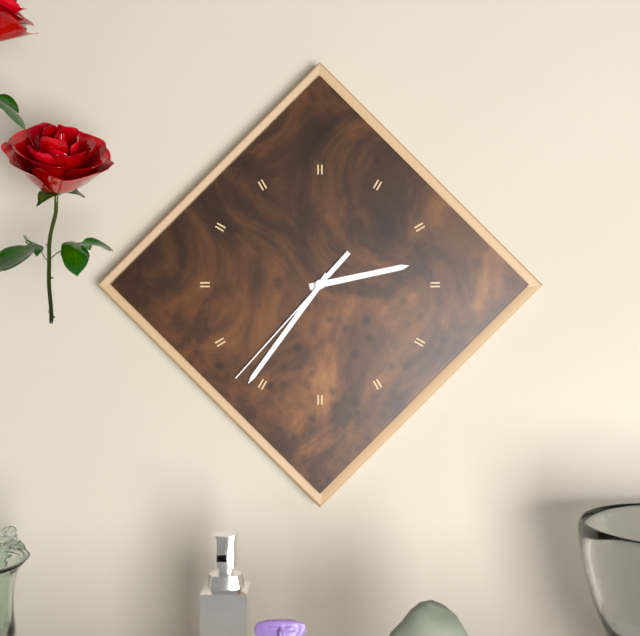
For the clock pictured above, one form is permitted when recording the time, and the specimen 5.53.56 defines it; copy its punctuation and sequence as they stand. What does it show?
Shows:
2.36.37
